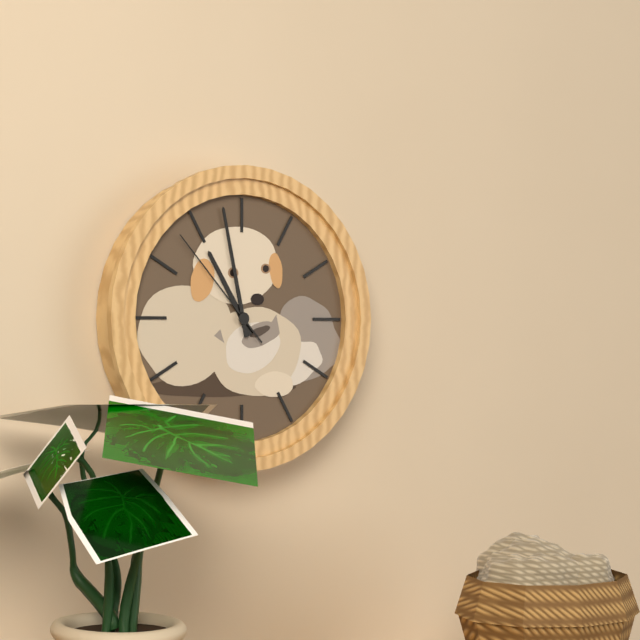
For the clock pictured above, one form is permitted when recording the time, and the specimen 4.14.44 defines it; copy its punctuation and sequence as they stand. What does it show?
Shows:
10.58.53
